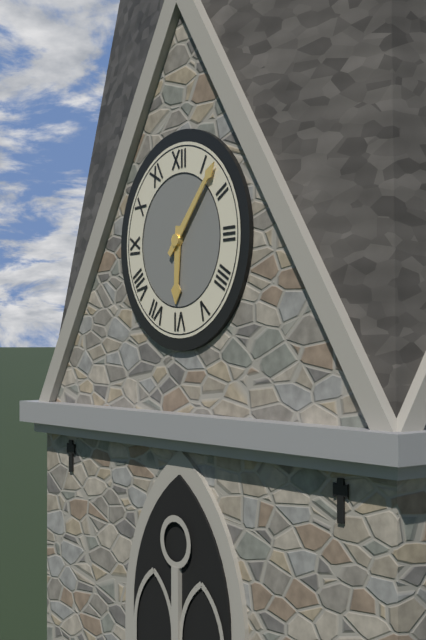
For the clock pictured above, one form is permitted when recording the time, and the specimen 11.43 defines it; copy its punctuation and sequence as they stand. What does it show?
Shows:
6.07
